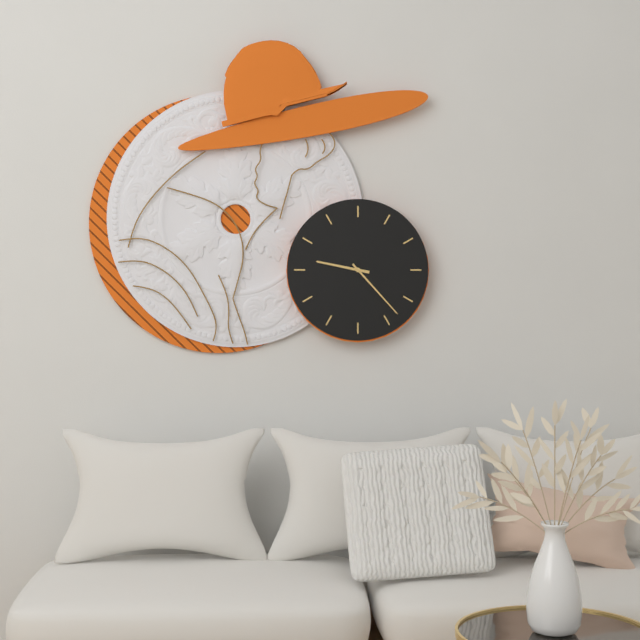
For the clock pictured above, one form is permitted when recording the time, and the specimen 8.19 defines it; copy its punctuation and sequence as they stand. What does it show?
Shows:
9.23
